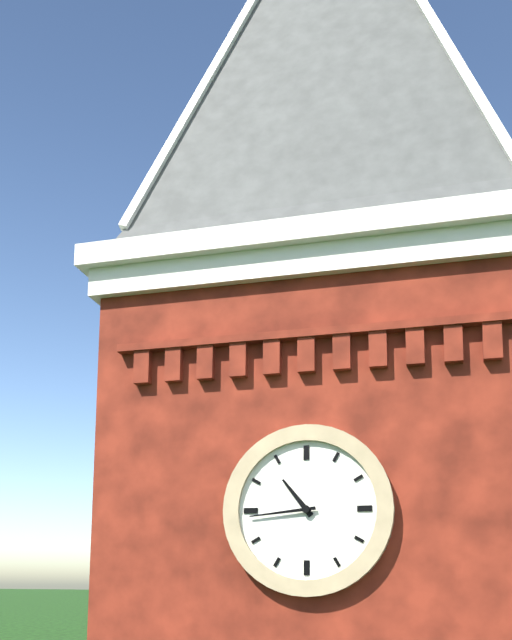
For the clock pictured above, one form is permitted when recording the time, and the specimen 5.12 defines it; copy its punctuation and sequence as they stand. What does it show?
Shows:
10.44
